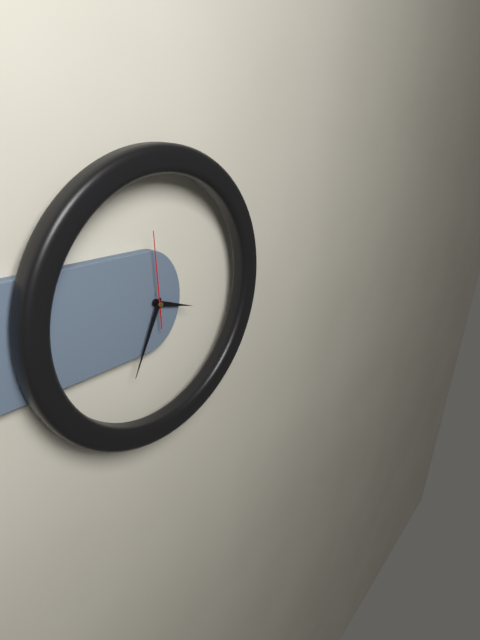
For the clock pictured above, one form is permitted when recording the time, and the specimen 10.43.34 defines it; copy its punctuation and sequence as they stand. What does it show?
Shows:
3.34.59
